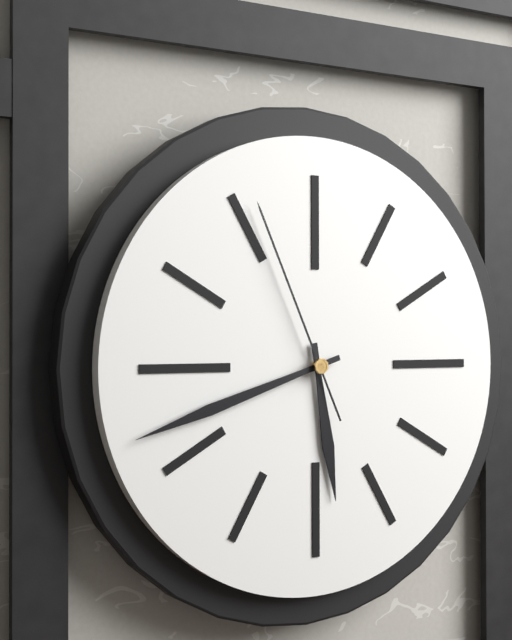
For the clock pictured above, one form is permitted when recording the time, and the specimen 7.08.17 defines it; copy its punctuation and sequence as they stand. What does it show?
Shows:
5.42.56
